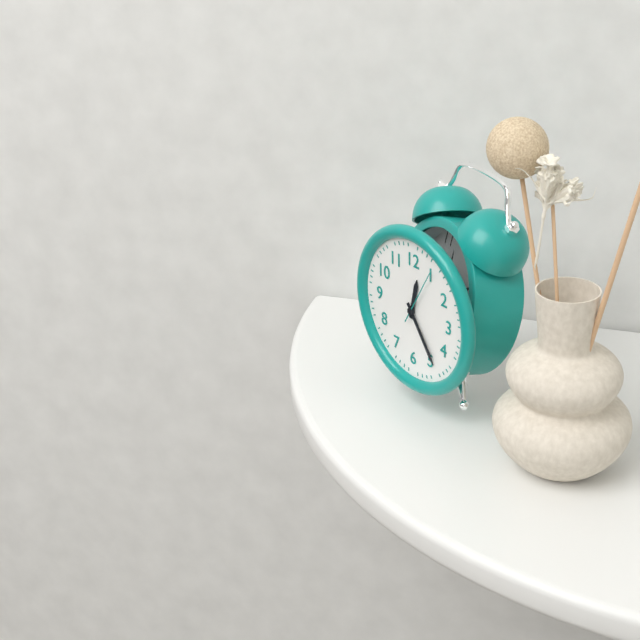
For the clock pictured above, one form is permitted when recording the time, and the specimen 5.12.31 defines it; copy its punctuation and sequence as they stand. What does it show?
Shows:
12.24.05
